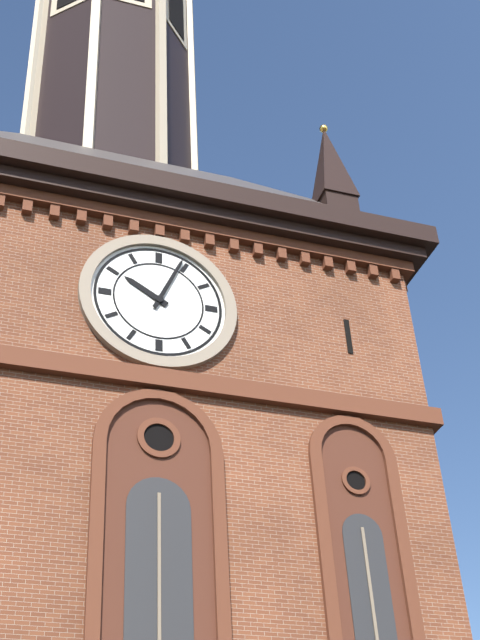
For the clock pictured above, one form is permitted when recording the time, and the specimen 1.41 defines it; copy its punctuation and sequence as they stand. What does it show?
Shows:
10.04
